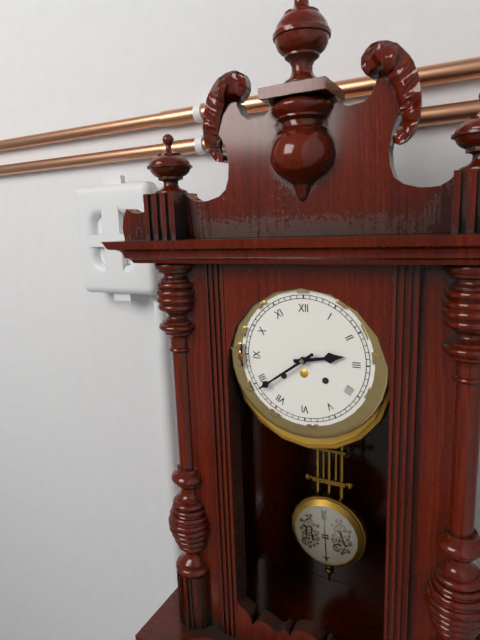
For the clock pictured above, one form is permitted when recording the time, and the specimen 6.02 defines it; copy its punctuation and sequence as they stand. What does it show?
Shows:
2.39
